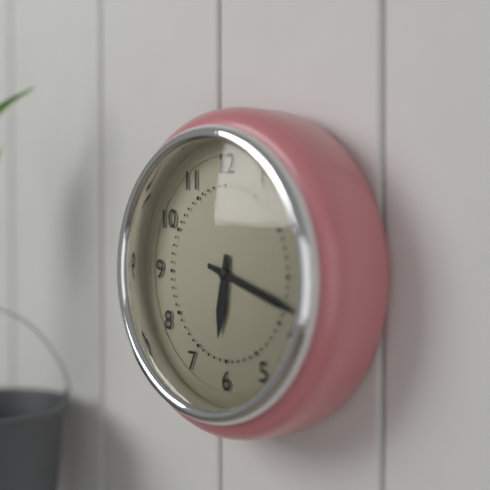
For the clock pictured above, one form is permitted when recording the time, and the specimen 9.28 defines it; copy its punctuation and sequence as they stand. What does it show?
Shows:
6.18
